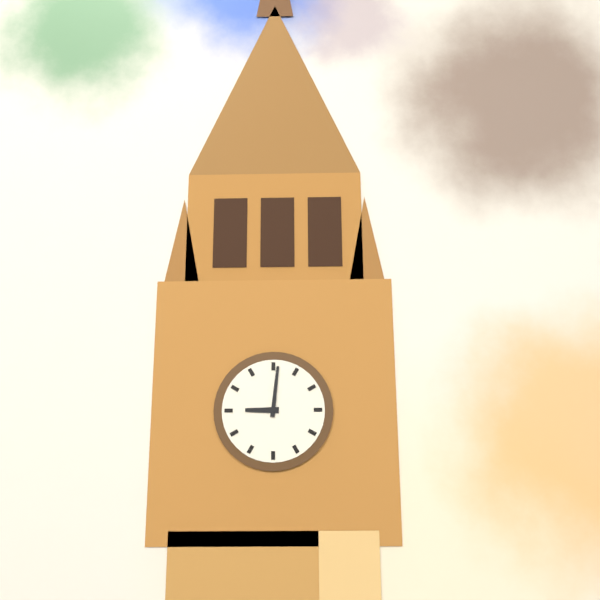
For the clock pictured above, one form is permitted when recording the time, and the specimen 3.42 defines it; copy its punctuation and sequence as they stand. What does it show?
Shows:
9.01
